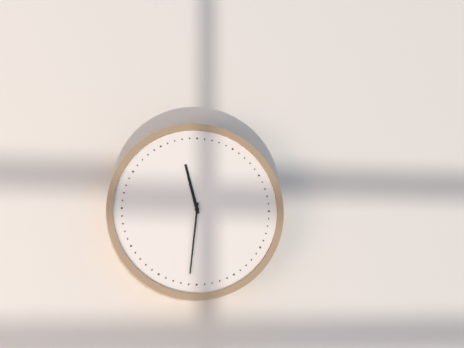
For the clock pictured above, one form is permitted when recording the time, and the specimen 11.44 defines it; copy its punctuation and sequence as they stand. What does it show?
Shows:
11.31
